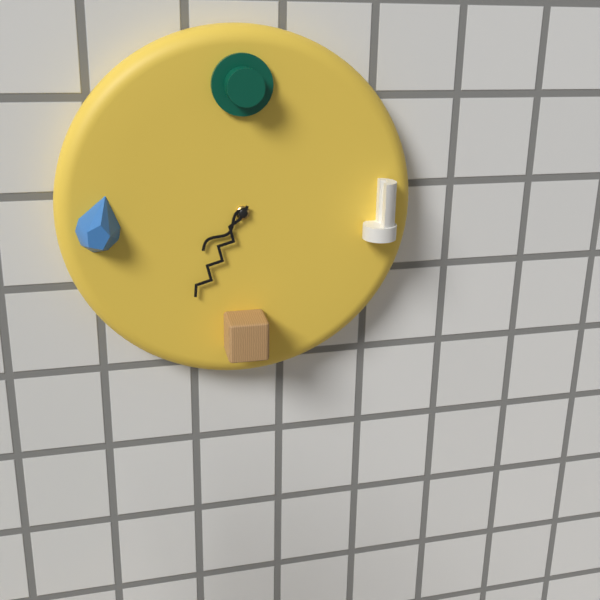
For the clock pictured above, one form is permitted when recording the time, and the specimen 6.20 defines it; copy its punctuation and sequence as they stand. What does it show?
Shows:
7.35
